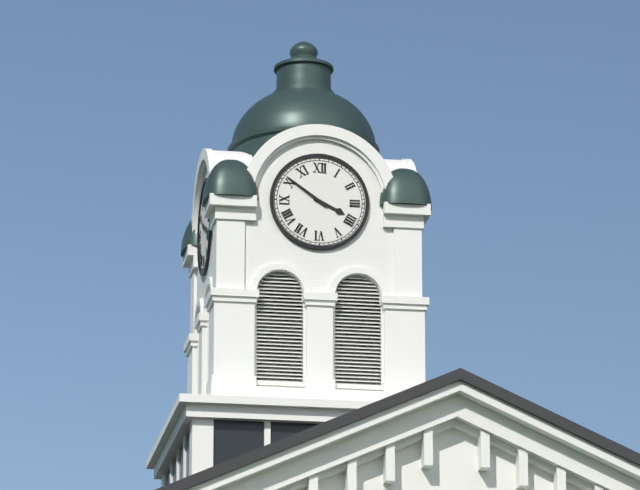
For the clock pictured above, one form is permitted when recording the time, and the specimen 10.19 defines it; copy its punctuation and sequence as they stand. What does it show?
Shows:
3.51
